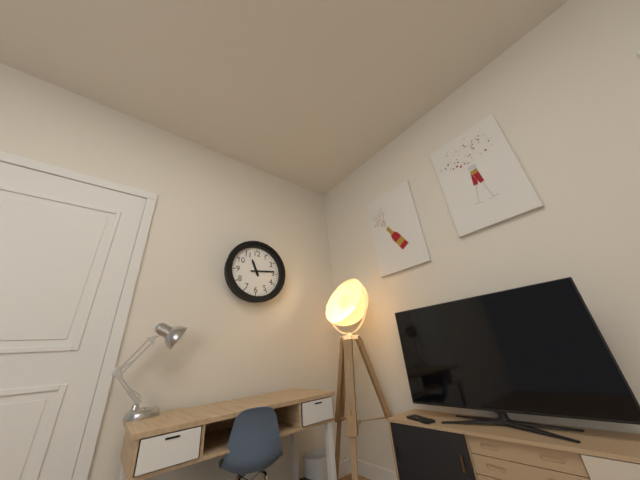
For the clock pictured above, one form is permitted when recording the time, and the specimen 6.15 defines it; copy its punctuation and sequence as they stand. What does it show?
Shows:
11.14
